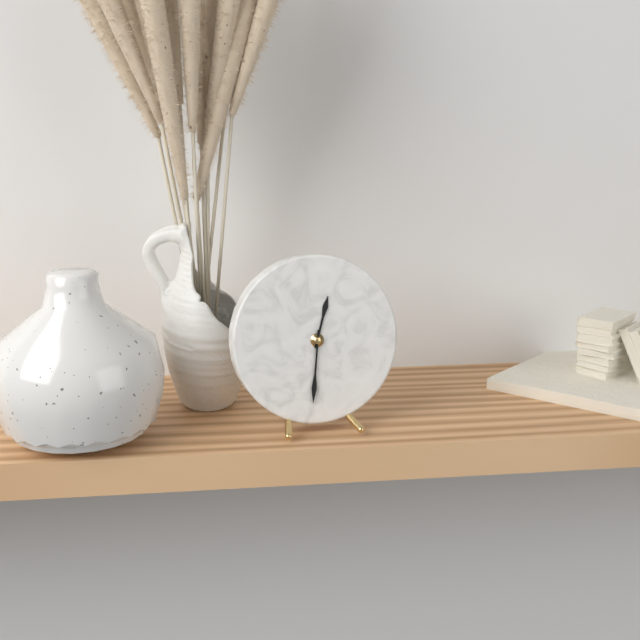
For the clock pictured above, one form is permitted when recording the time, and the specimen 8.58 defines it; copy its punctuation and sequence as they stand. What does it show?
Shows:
12.31
